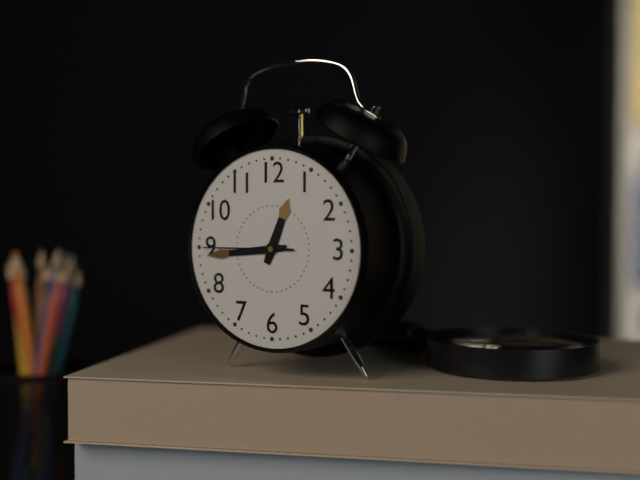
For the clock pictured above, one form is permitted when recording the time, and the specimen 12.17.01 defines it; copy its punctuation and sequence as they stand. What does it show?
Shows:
12.44.45
